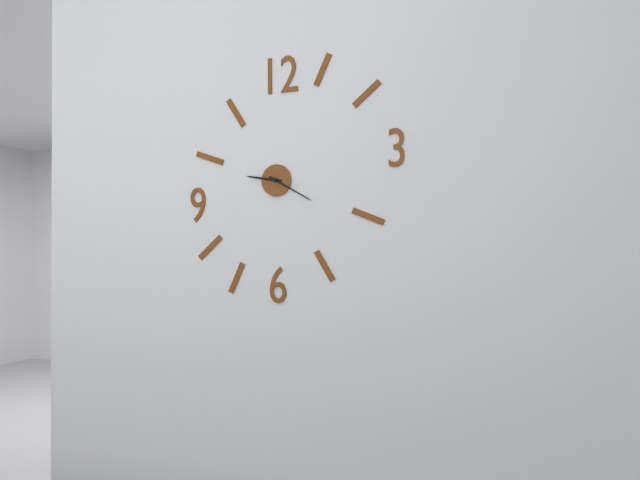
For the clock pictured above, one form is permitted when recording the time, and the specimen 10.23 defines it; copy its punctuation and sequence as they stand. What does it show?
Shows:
9.20
